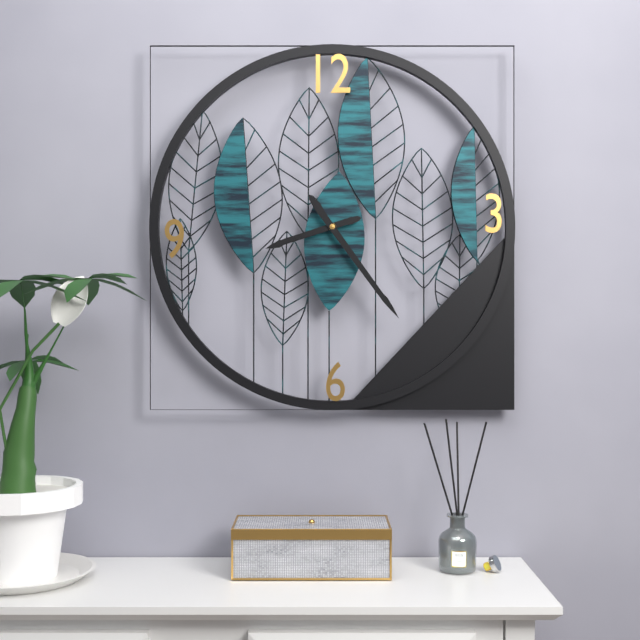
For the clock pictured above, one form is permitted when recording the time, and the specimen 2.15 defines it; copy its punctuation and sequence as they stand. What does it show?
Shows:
8.24
